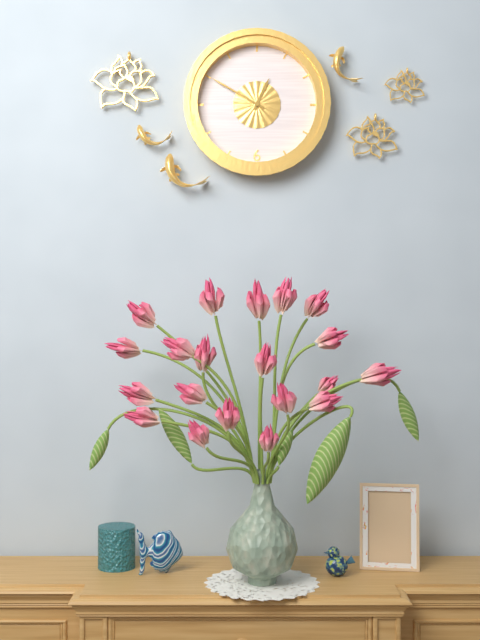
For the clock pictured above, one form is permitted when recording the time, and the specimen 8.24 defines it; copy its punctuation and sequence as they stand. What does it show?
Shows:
12.50
